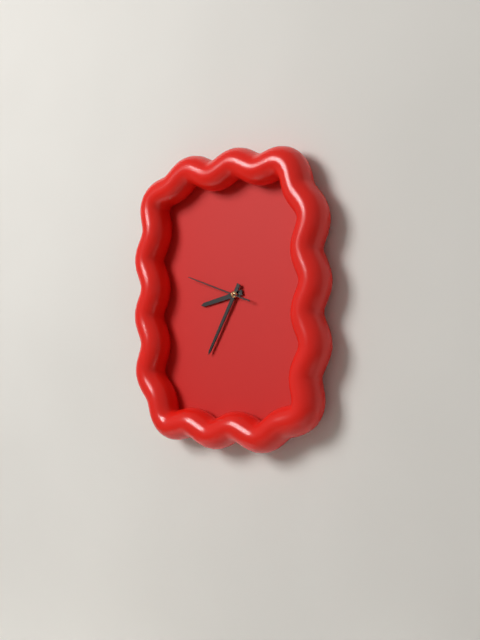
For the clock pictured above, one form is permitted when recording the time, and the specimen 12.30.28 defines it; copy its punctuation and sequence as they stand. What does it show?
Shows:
8.35.48
